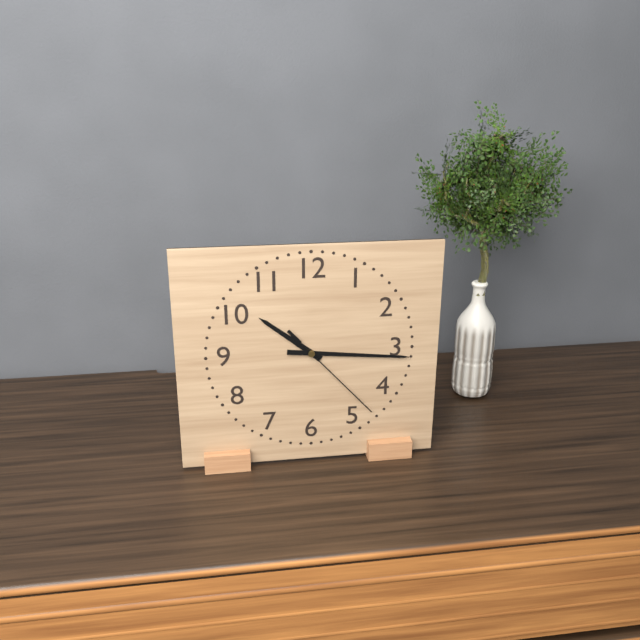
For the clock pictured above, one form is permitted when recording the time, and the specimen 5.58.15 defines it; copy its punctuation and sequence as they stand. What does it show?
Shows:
10.16.23
